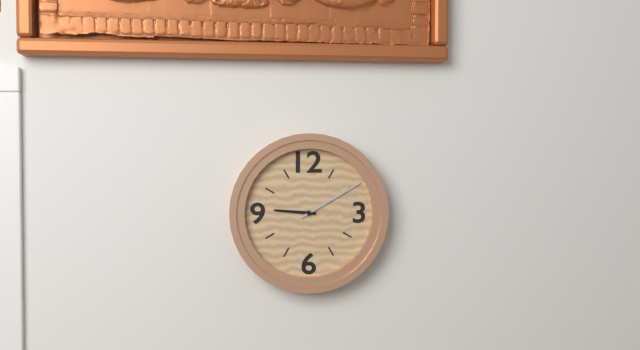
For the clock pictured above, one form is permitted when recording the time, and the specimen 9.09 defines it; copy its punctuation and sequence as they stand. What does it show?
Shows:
9.10
